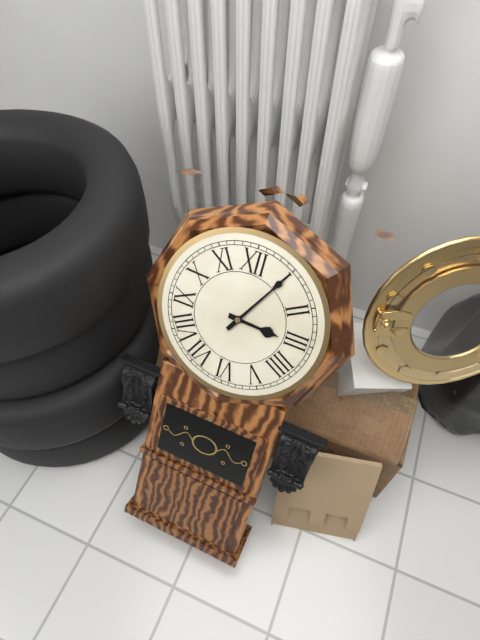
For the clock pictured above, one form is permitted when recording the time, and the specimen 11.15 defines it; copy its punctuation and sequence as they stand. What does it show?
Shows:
3.05
